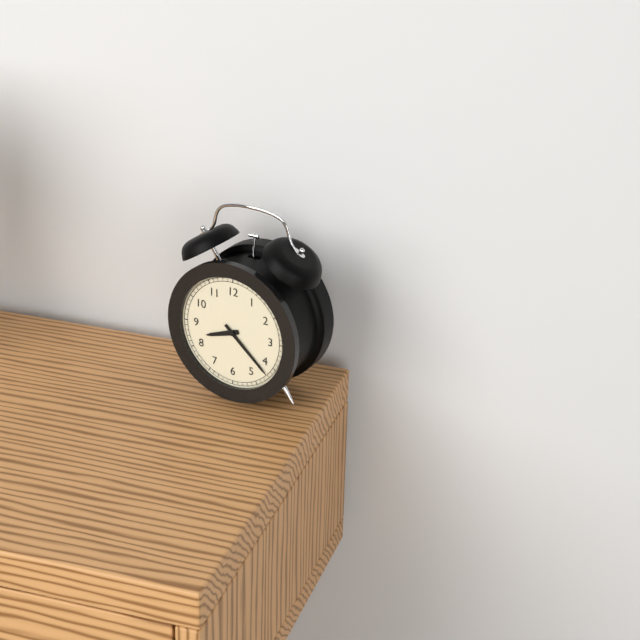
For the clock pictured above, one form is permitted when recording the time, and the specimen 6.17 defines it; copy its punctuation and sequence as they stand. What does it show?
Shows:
8.22
